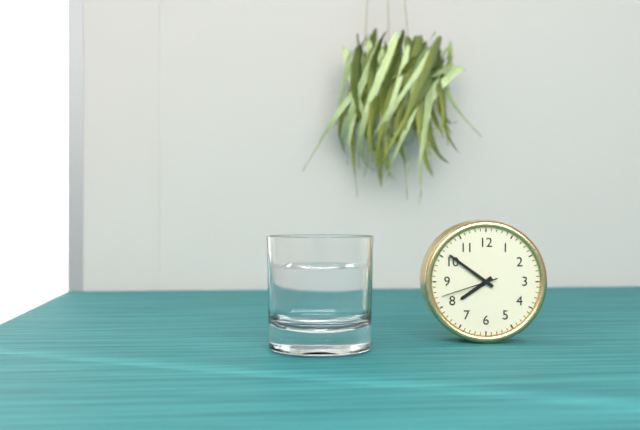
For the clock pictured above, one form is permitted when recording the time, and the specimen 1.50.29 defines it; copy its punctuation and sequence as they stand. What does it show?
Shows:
7.51.42
